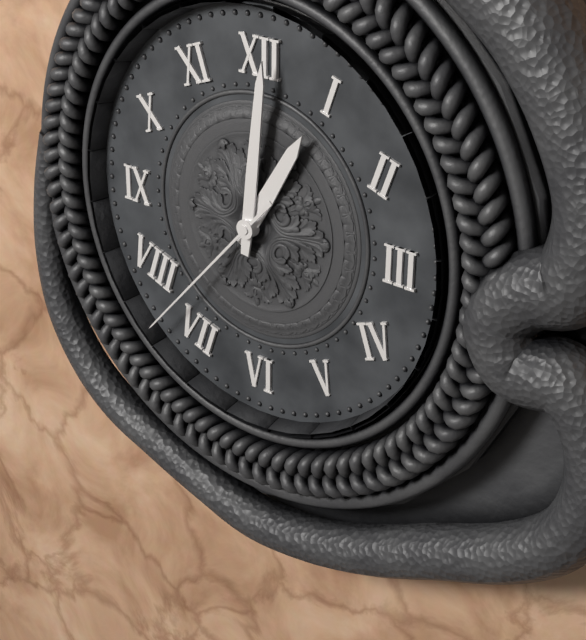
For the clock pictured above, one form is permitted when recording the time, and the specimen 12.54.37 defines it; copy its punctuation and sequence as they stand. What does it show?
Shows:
1.01.37
